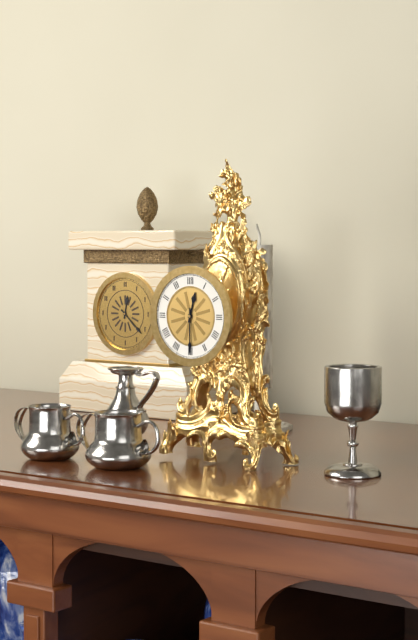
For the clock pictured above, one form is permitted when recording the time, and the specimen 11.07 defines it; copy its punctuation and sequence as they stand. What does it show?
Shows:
12.30
